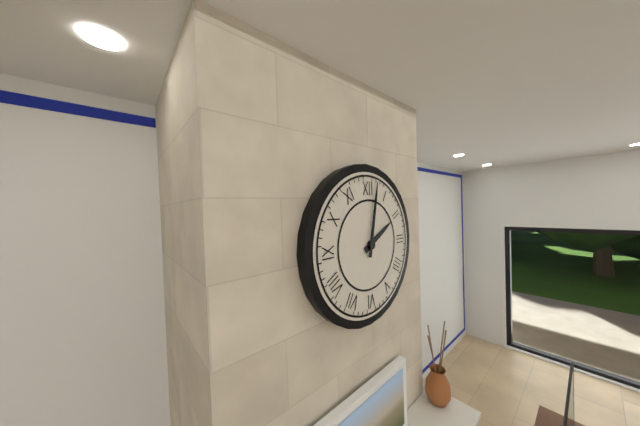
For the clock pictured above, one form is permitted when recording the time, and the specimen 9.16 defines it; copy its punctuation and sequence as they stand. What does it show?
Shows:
2.02
